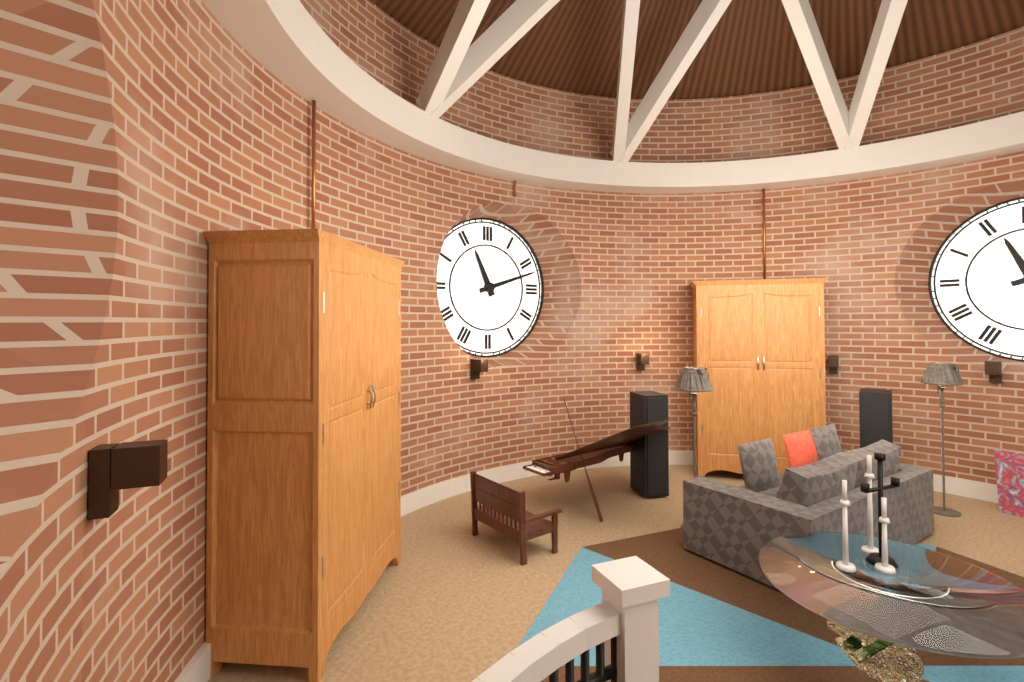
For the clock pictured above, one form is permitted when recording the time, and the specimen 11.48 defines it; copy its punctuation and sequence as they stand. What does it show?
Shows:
11.12
